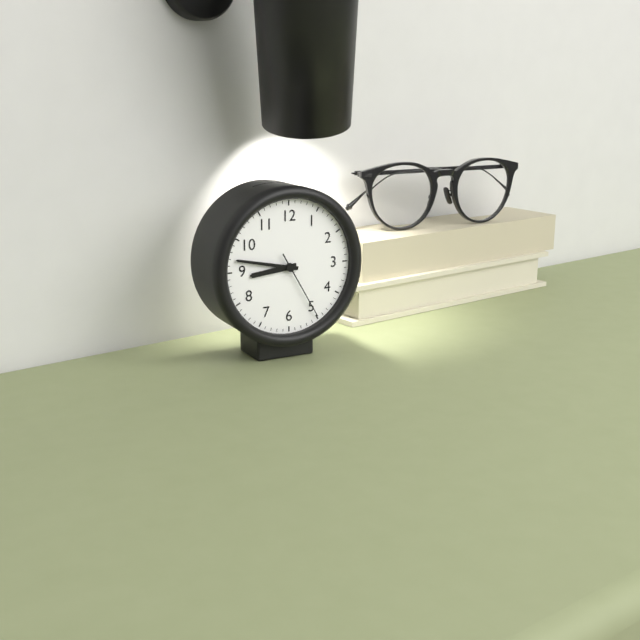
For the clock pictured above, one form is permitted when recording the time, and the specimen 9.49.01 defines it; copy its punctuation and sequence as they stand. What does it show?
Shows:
8.47.25
